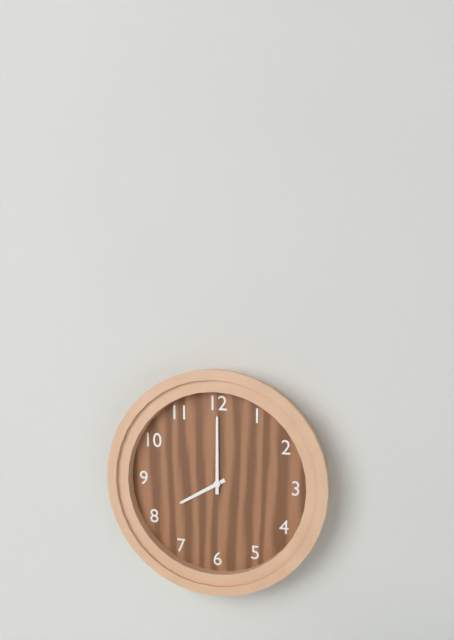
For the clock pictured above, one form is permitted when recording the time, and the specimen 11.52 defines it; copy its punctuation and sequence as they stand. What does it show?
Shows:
8.00
